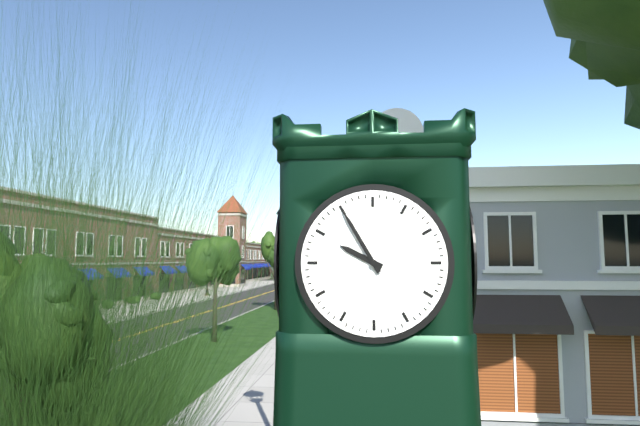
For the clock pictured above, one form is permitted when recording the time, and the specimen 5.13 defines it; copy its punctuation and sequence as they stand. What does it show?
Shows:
9.55
